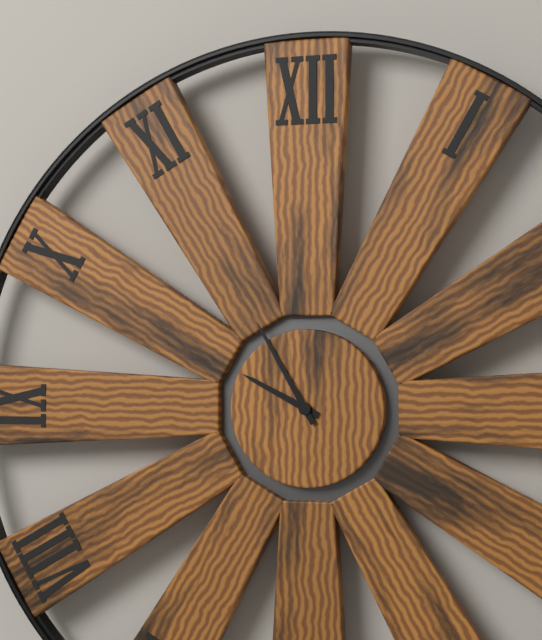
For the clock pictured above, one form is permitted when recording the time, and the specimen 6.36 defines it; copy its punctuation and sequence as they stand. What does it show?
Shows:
9.55
